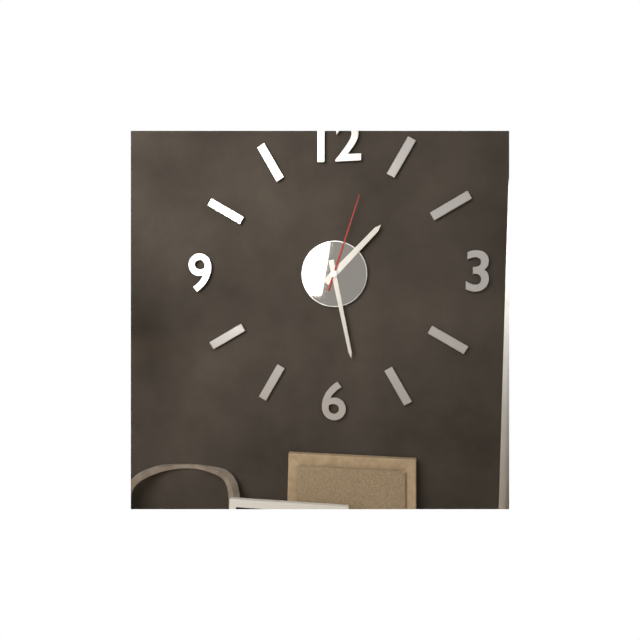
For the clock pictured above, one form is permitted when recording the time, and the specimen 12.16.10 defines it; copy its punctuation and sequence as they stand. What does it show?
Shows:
1.28.03
